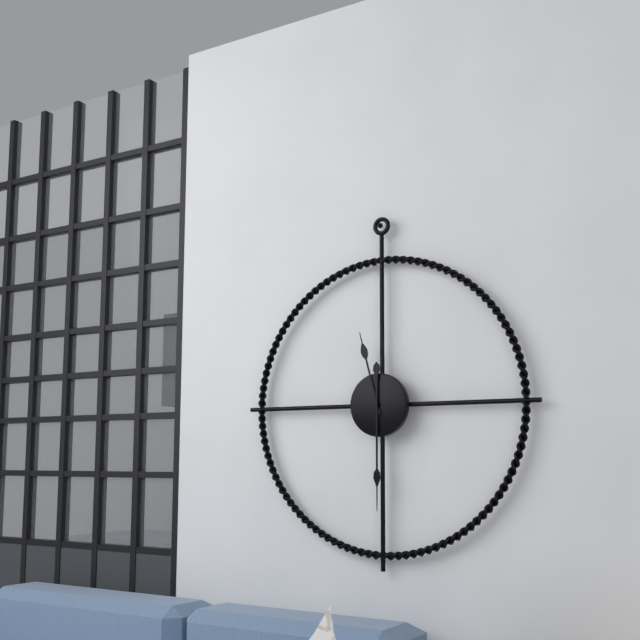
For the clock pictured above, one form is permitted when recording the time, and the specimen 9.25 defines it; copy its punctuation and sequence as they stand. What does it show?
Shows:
11.30
